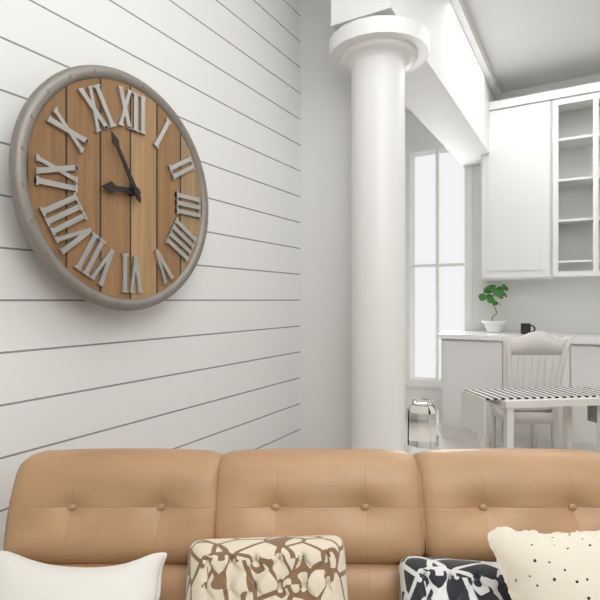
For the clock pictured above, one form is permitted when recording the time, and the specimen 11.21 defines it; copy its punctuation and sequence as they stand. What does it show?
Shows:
8.55
